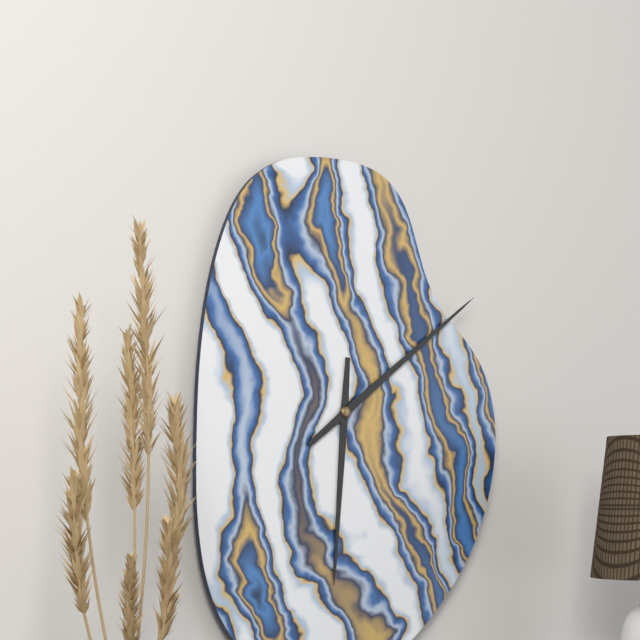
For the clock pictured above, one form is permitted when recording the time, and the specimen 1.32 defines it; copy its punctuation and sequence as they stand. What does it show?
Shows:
6.09
